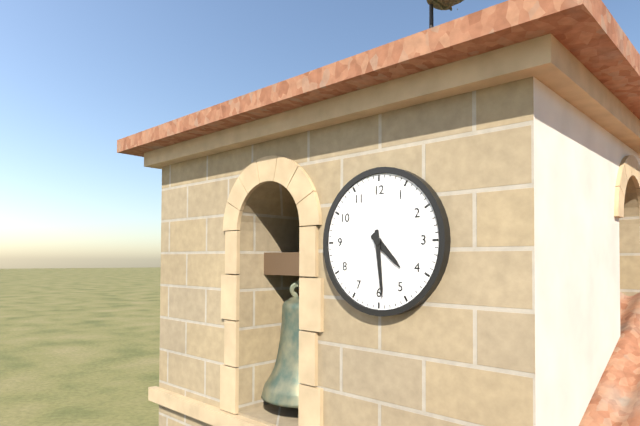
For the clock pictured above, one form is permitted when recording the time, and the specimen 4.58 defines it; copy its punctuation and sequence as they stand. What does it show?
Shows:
4.29
